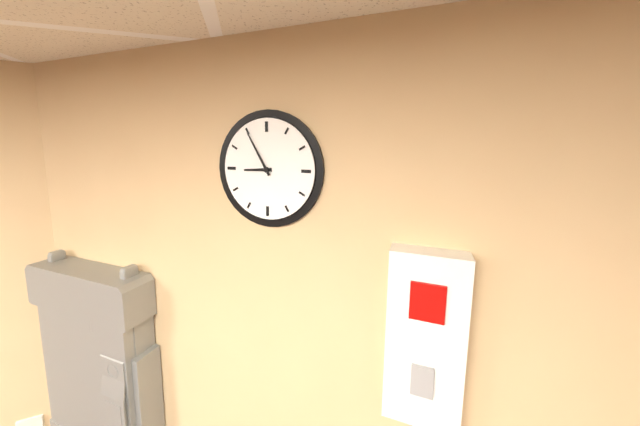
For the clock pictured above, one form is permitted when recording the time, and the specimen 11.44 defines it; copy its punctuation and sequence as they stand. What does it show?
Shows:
8.55
